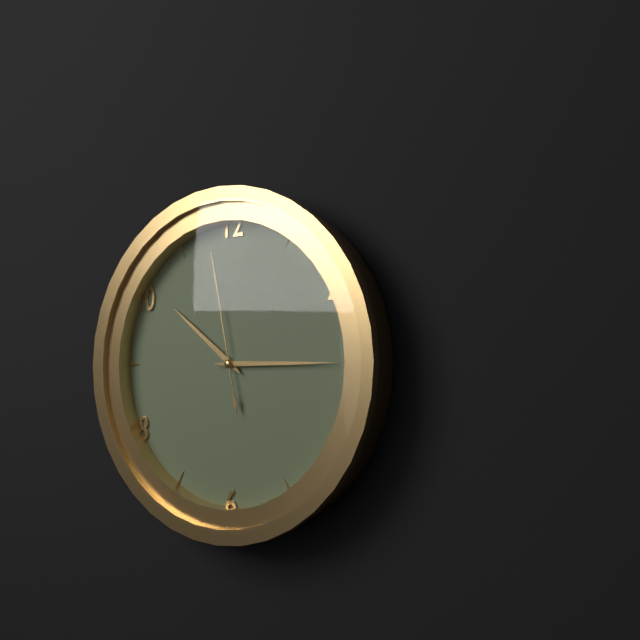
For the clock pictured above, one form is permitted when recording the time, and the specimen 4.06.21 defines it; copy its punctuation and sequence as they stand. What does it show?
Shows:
10.15.58
